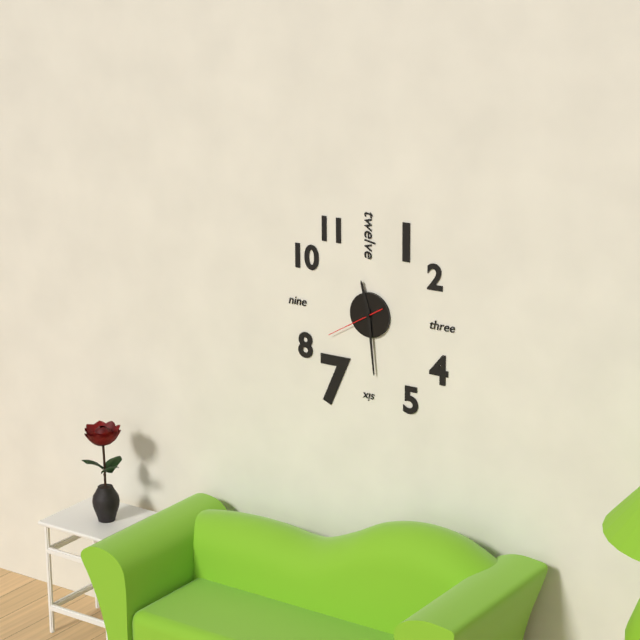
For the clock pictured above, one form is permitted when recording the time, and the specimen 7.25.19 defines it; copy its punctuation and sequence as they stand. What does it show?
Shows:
11.29.40
